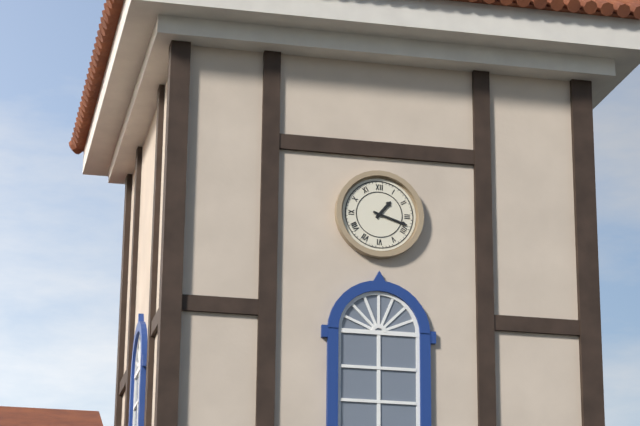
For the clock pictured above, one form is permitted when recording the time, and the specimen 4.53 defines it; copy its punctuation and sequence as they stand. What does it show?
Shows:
1.18
